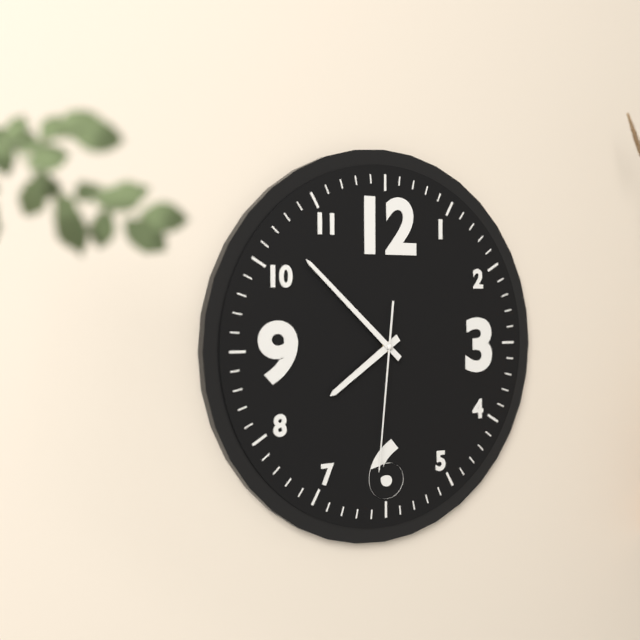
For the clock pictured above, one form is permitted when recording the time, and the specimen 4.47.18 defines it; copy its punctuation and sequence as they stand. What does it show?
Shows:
7.52.31
